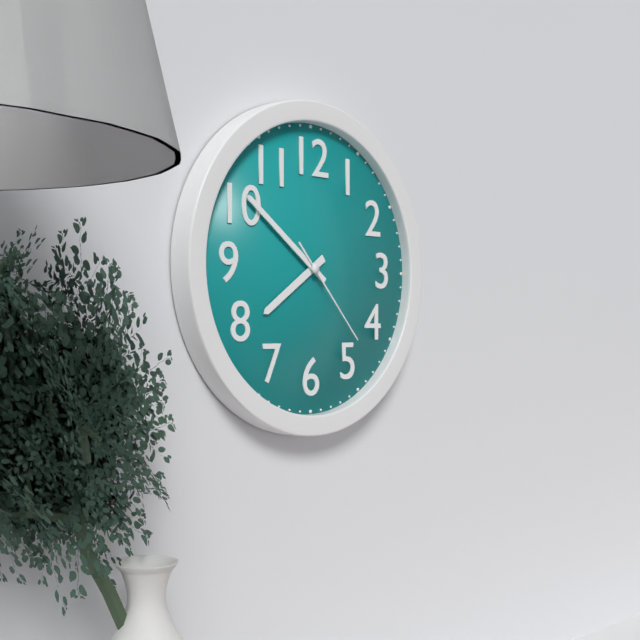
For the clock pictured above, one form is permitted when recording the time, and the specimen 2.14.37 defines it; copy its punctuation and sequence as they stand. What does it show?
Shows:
7.51.23
